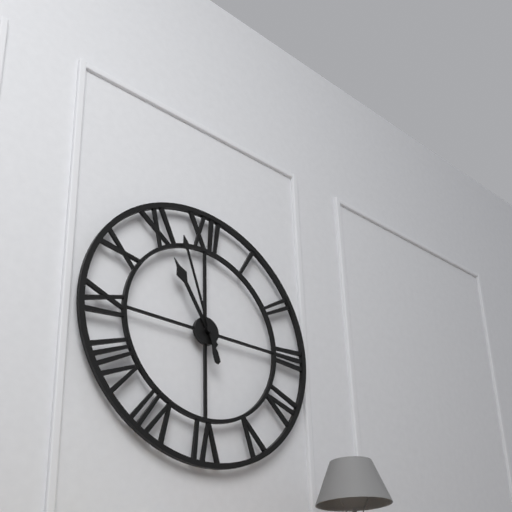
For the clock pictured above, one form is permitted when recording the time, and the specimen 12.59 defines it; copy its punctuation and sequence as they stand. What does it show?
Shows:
10.57
